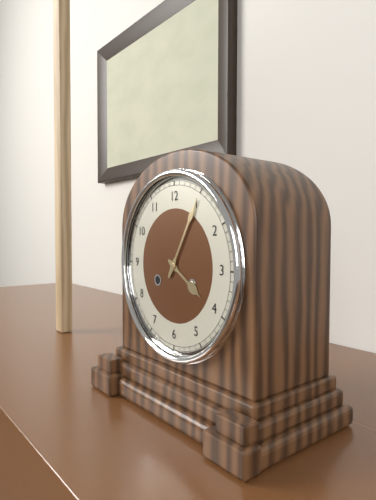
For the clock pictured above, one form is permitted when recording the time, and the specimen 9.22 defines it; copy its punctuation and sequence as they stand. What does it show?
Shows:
4.05
